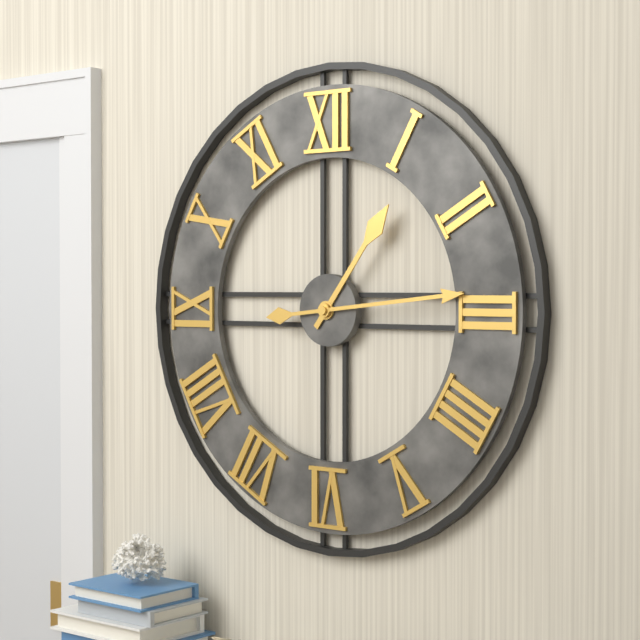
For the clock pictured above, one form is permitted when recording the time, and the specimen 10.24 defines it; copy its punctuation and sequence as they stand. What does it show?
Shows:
1.14
